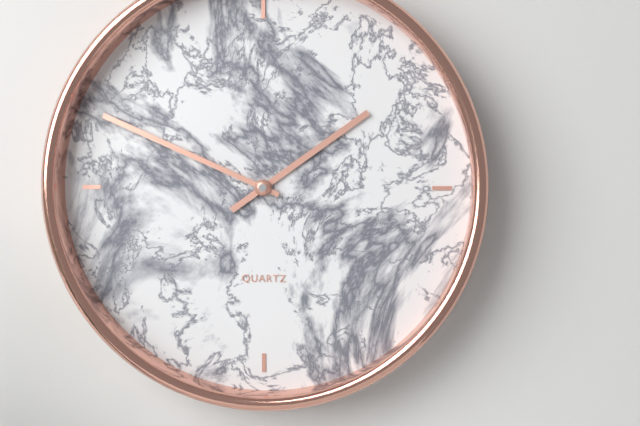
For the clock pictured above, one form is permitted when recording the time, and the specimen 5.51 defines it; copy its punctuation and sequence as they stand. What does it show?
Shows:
1.49
